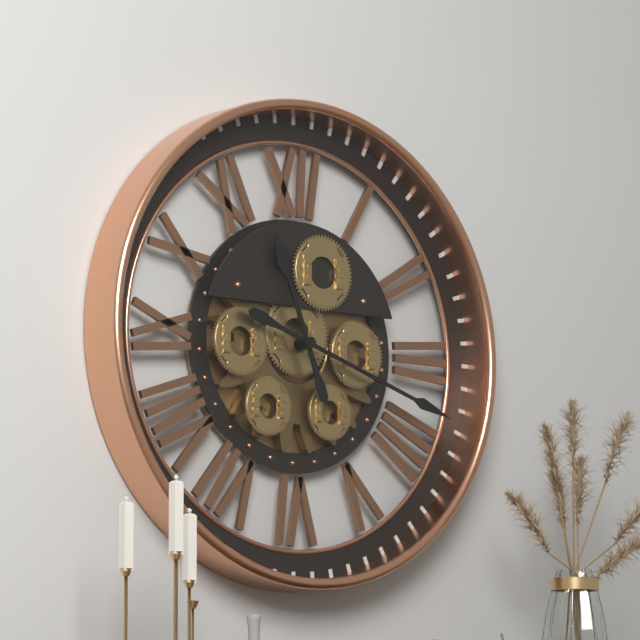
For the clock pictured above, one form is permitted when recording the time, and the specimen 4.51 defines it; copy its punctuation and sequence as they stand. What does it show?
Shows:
11.18
